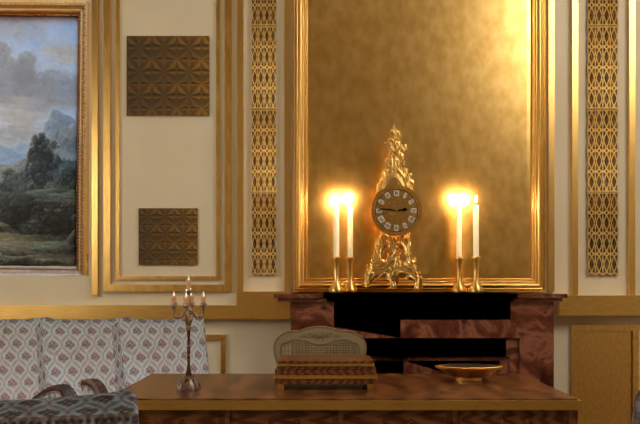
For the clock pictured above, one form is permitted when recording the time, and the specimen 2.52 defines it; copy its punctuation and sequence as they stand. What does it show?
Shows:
2.46
